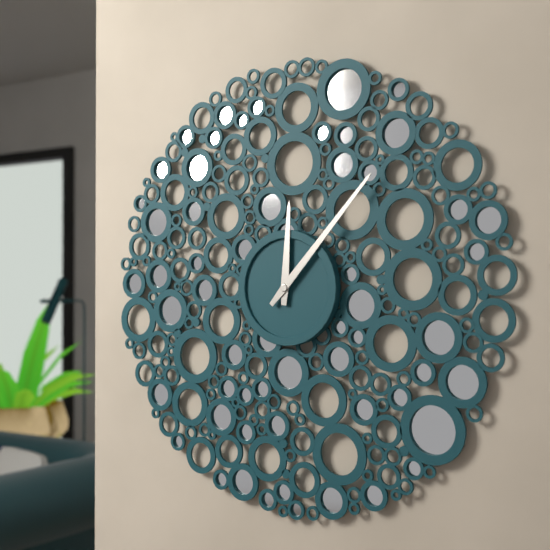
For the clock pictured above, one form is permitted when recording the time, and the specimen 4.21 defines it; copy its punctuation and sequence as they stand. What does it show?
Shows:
12.07
